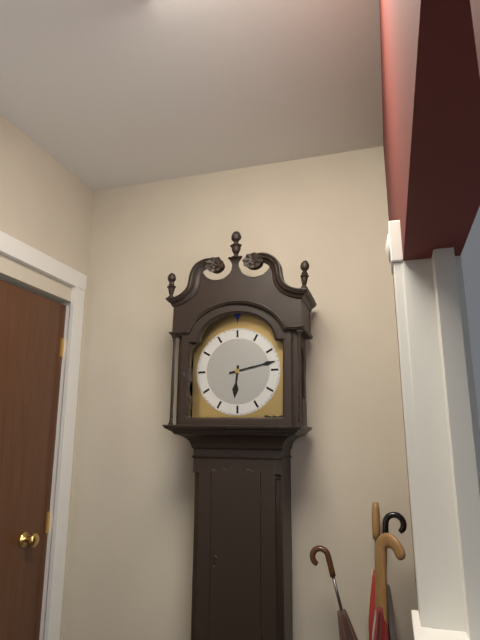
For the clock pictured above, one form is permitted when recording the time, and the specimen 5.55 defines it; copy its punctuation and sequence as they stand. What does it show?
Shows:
6.13
